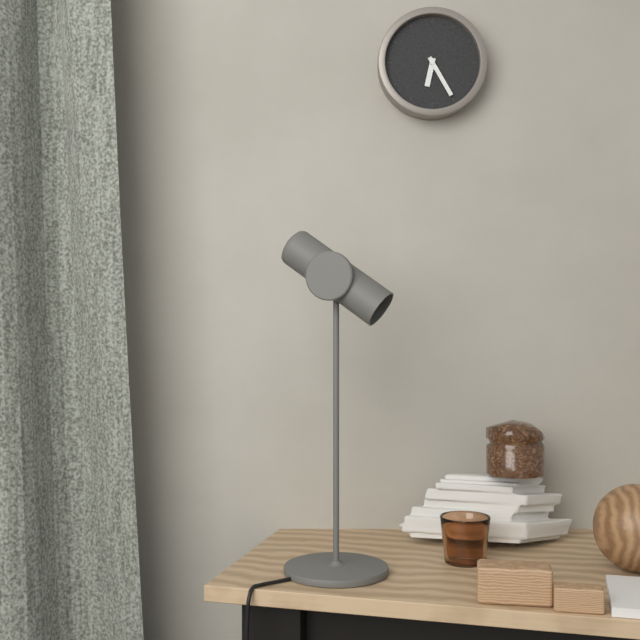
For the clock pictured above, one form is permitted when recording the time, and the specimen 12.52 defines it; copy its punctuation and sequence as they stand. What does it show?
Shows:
6.25
